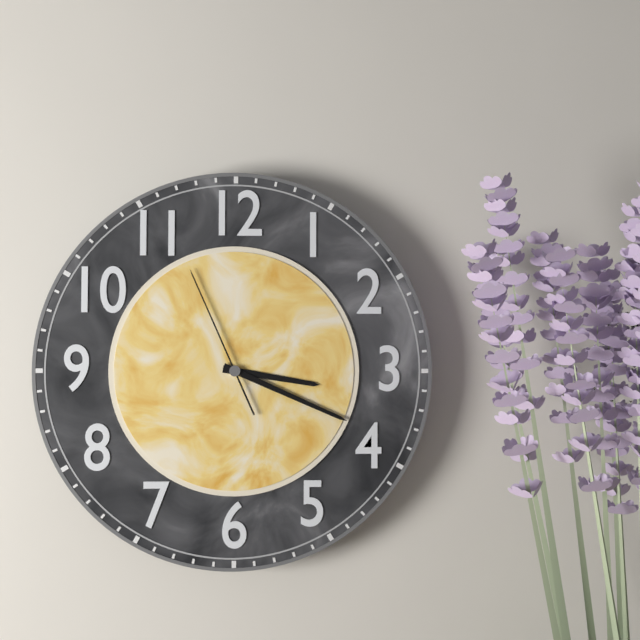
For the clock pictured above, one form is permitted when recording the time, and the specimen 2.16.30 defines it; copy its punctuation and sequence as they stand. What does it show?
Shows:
3.19.56
